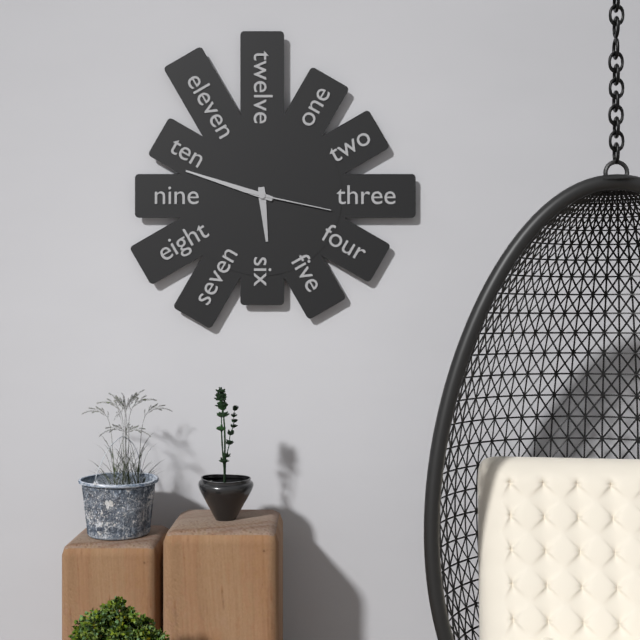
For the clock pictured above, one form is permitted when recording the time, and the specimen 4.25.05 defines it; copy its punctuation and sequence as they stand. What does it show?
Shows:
5.48.17
